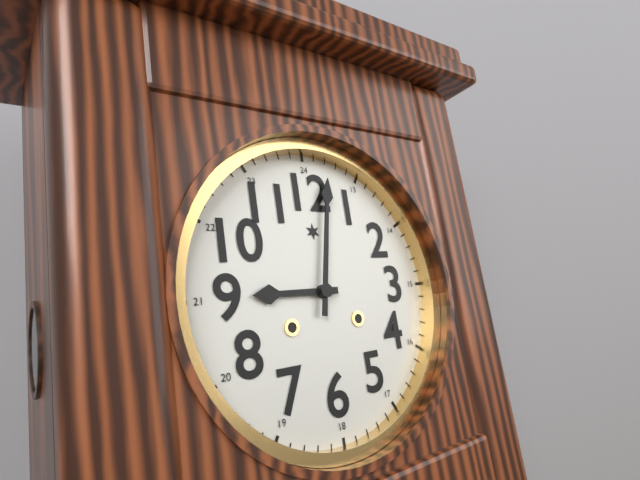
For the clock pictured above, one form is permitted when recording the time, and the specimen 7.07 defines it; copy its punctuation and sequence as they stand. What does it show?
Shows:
9.02
